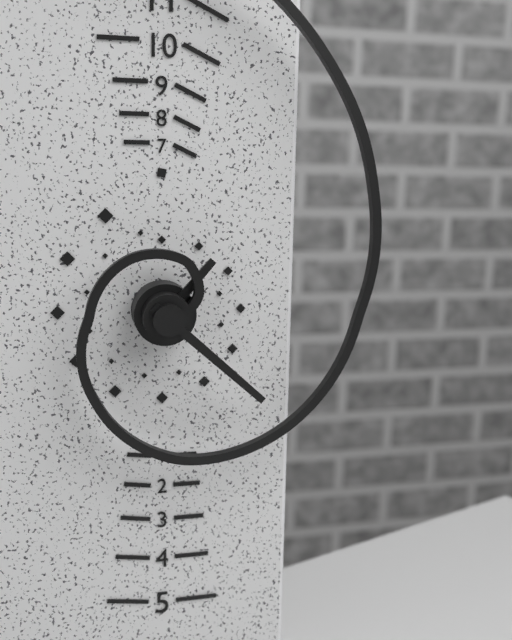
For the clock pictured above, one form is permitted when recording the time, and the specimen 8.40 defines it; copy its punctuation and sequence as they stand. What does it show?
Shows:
1.22
